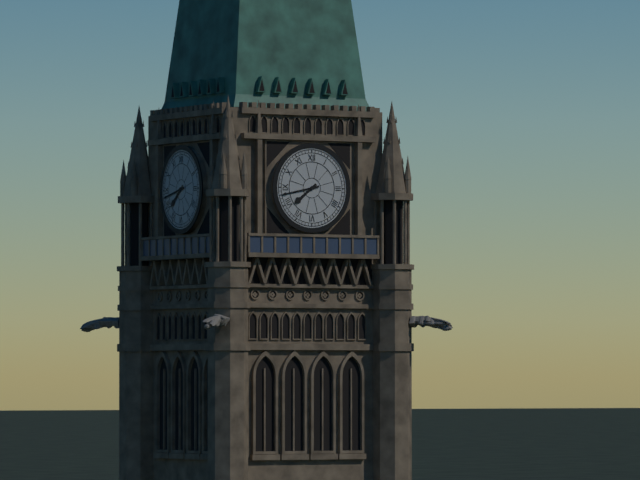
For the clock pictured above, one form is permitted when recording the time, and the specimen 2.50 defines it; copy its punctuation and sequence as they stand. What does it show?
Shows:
7.43
